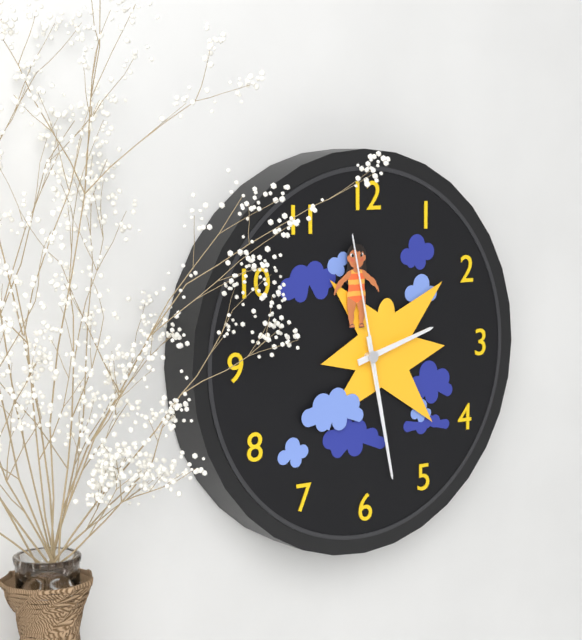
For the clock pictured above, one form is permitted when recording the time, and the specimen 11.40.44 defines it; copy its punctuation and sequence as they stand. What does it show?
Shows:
2.28.58
